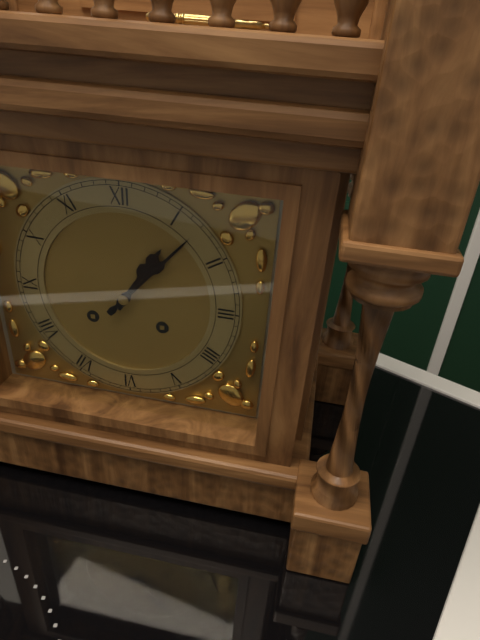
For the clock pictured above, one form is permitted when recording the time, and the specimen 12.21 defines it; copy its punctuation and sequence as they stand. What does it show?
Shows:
1.07
